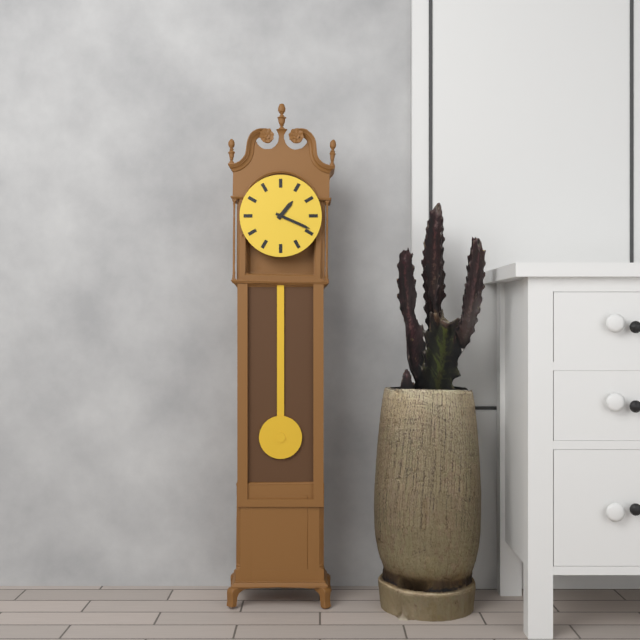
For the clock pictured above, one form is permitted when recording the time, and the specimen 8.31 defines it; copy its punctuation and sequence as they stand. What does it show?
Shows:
1.19
